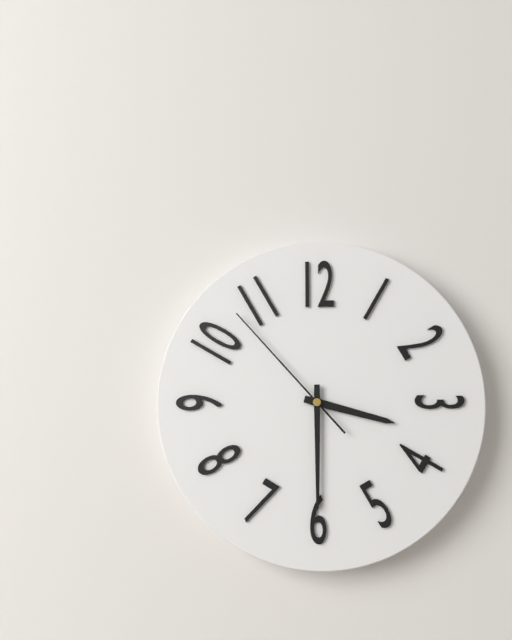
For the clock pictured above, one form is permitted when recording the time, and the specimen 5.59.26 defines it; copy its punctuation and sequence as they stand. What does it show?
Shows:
3.30.53
